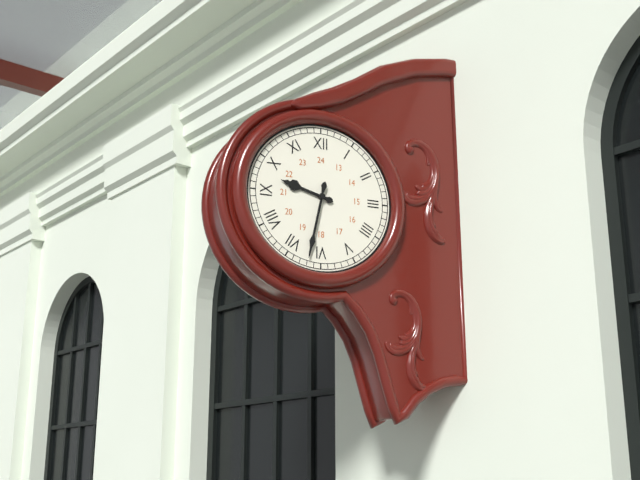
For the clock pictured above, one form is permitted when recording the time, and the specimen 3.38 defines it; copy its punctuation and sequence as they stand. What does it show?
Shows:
9.32
